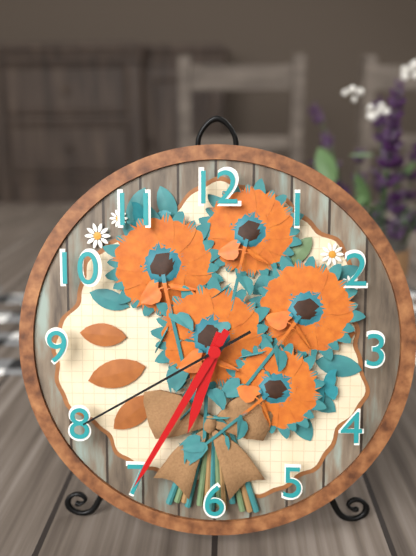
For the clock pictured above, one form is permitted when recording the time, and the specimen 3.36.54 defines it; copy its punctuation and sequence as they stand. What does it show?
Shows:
6.35.40
